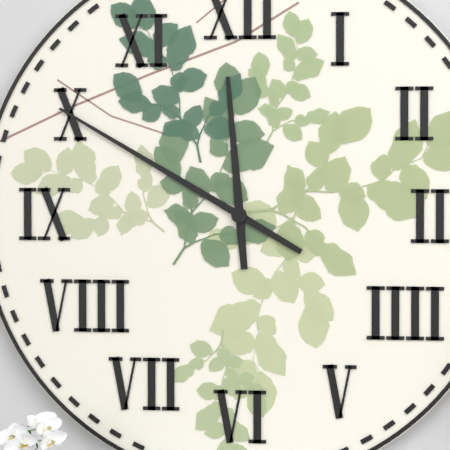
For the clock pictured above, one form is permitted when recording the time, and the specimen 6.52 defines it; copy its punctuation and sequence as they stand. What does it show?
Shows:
11.50
